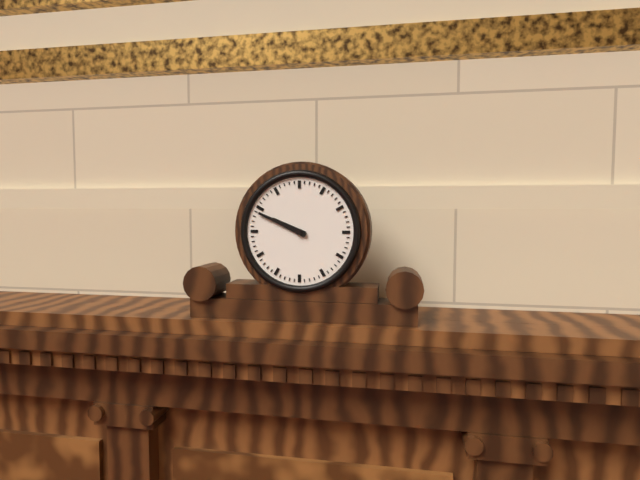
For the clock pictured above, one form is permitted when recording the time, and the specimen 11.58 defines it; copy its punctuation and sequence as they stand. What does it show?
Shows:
9.49
